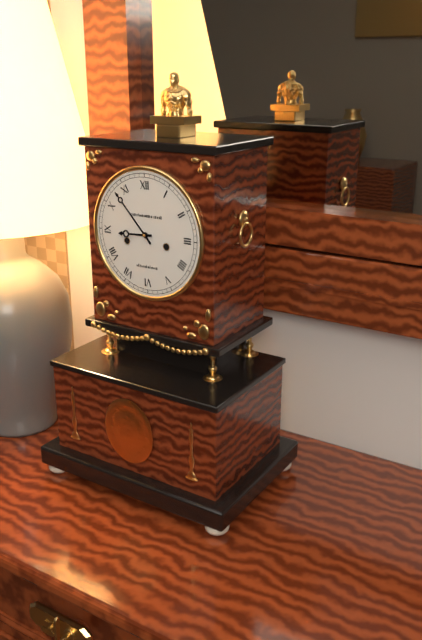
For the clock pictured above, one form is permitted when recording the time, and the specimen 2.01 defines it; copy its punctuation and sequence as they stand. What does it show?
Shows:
8.53
